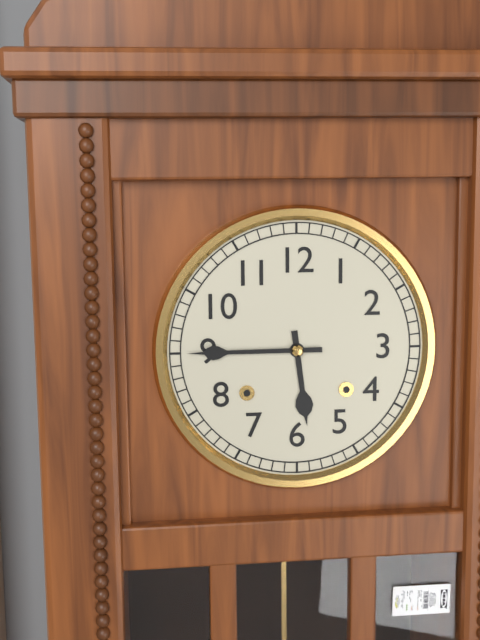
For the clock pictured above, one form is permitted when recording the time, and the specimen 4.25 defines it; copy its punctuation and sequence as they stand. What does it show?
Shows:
5.45
